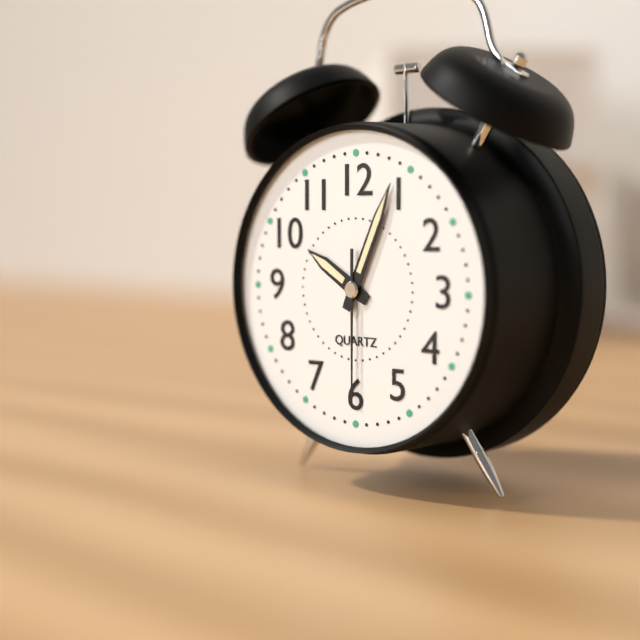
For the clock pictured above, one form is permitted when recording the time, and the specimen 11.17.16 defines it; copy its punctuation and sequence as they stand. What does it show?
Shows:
10.04.30
